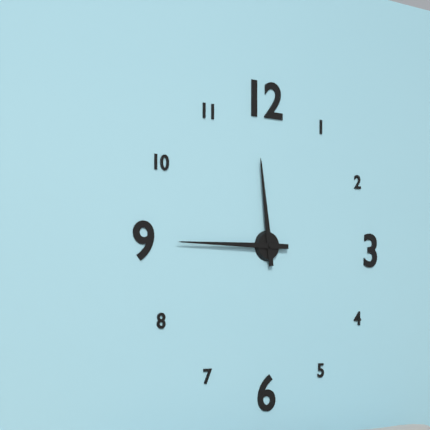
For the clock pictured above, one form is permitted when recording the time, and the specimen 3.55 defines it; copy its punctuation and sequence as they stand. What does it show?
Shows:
11.45
